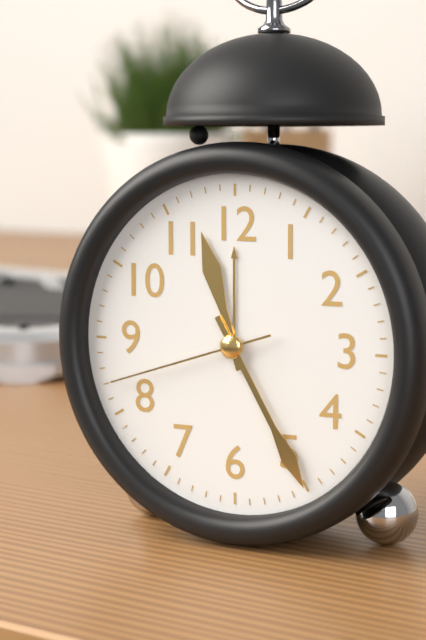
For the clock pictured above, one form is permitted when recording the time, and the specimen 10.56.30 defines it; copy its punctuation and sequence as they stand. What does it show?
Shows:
11.25.42
